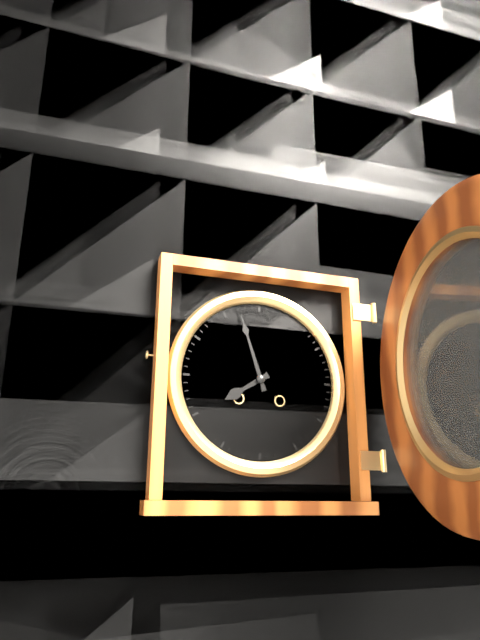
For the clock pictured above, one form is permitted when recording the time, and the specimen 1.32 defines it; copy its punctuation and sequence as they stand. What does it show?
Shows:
7.57
